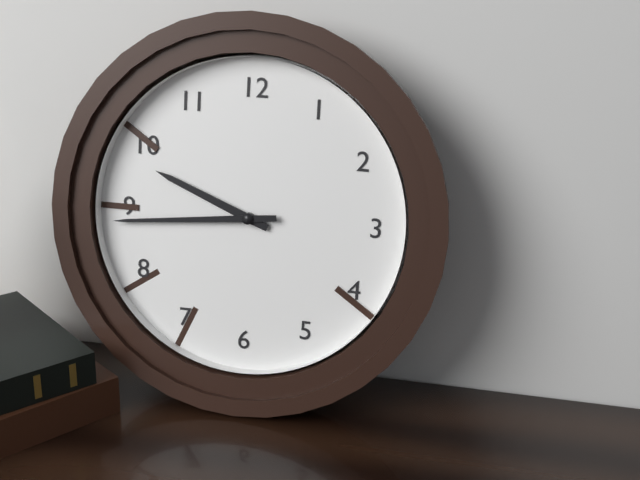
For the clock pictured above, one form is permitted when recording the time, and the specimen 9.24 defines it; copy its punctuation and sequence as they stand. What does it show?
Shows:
9.44
